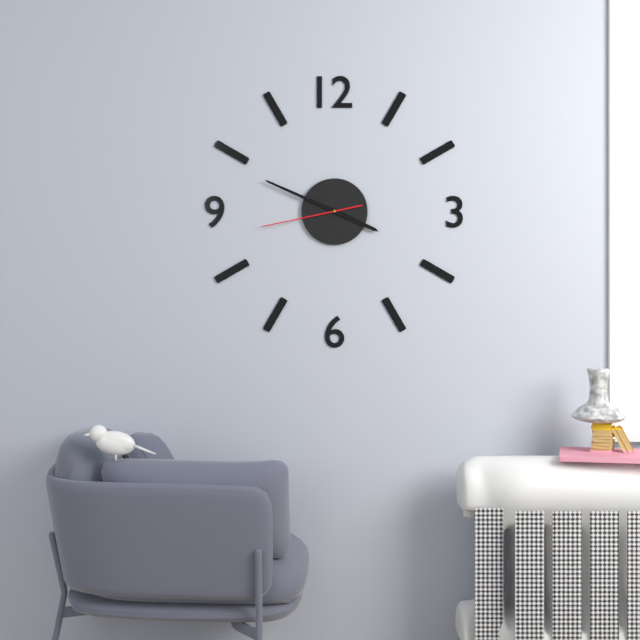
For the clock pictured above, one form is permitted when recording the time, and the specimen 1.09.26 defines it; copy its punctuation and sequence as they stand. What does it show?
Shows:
3.49.43
